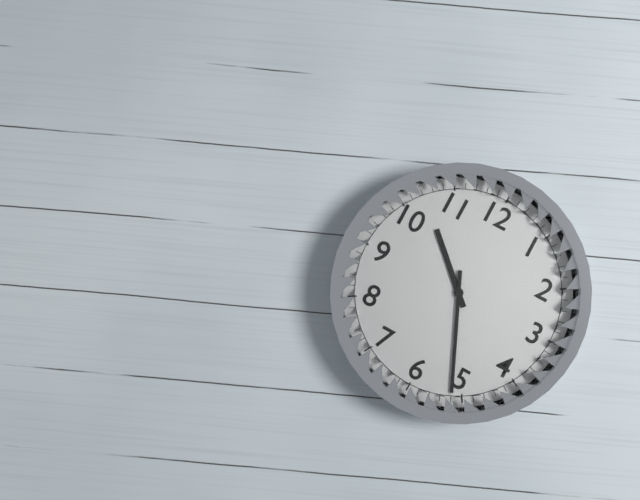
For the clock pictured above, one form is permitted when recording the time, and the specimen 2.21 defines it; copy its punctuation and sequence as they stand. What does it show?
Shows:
10.26
